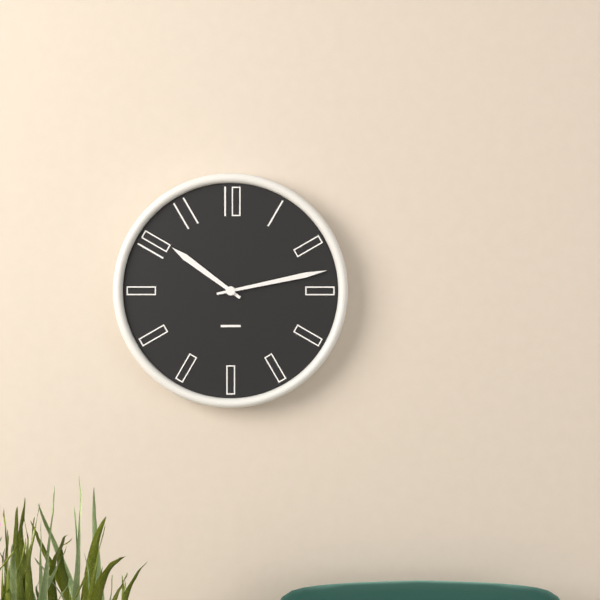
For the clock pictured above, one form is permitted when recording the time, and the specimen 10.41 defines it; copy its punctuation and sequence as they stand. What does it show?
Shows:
10.13
